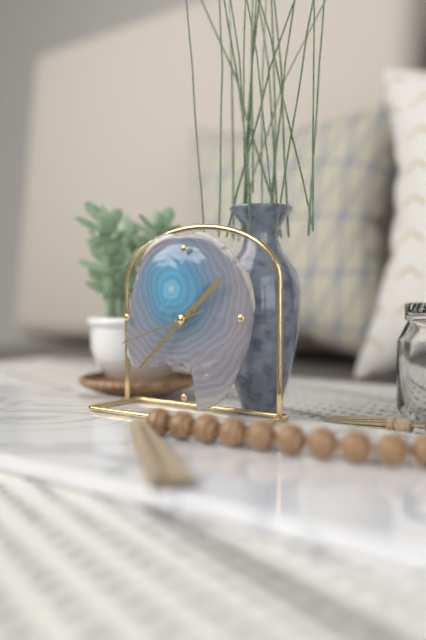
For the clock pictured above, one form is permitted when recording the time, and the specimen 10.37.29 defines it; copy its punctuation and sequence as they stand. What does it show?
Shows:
1.38.42
